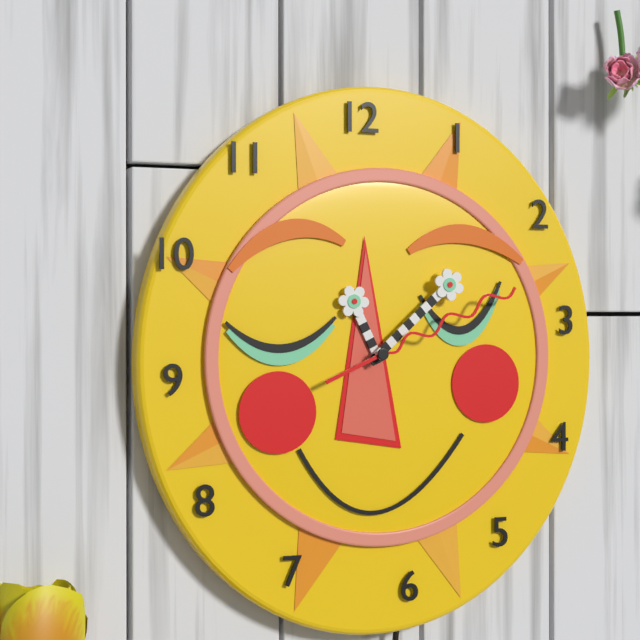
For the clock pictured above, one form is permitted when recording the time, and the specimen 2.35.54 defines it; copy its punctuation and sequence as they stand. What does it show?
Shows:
11.08.11
